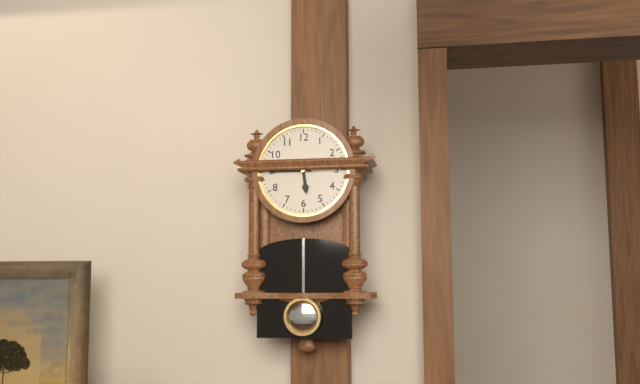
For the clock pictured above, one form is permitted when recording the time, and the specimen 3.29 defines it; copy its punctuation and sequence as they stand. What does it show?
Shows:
5.45
